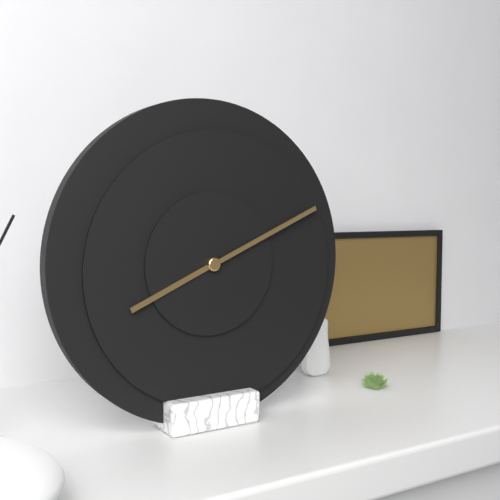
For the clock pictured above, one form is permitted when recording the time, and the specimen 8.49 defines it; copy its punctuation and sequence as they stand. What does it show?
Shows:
8.11
